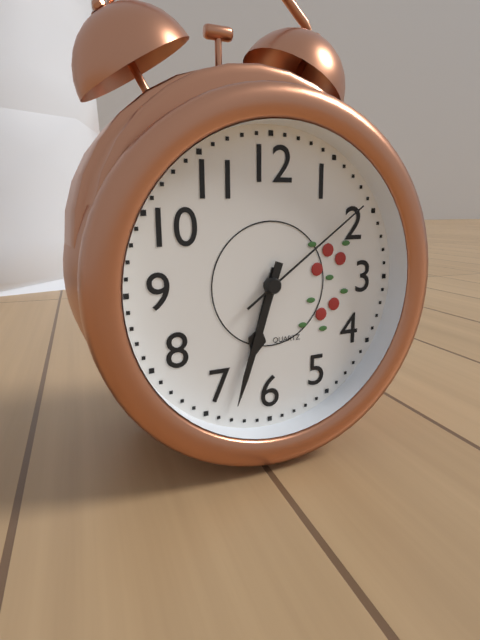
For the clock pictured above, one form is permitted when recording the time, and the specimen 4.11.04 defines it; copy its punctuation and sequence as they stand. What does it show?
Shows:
6.33.09
